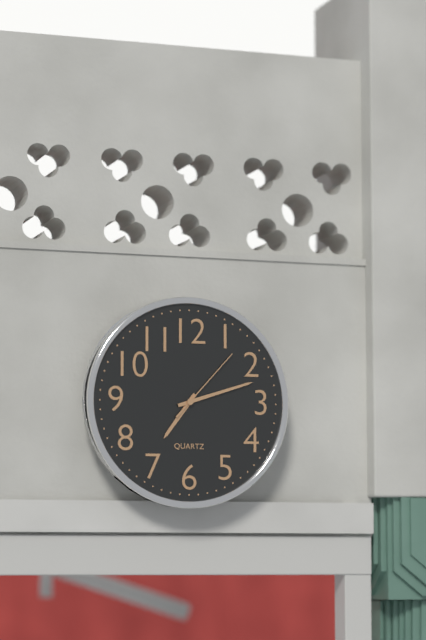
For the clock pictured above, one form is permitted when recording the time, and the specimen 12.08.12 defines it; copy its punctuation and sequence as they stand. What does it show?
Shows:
7.12.07
